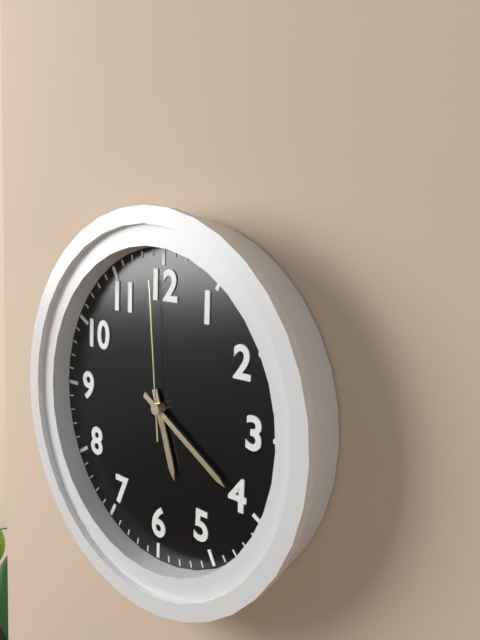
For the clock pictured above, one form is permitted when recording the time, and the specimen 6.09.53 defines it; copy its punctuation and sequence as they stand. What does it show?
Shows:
5.20.59
